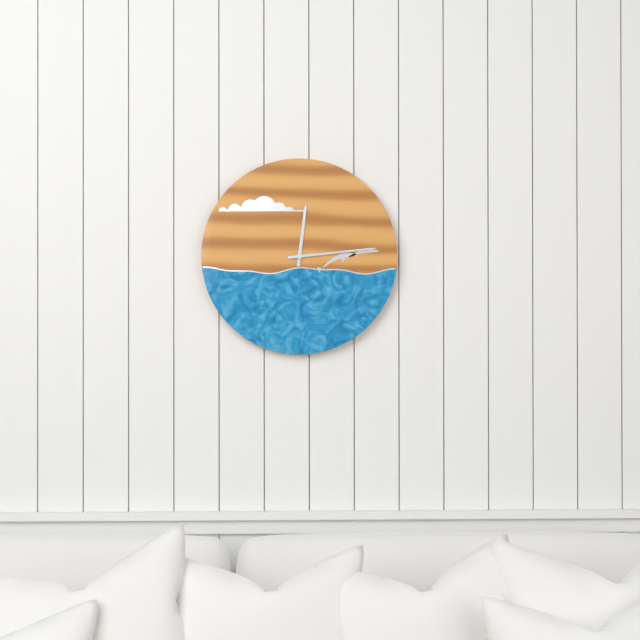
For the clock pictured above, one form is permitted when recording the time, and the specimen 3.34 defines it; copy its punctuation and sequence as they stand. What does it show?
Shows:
12.14
